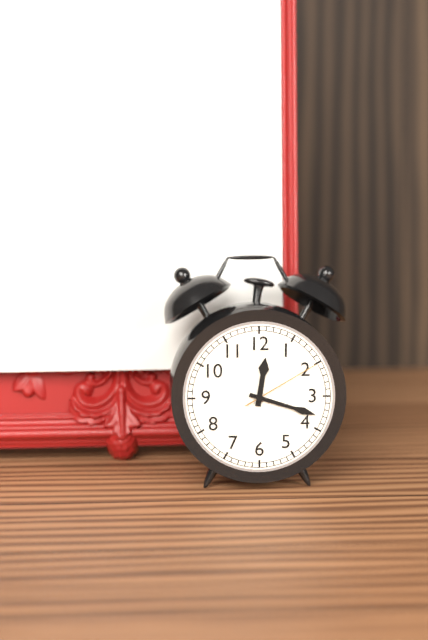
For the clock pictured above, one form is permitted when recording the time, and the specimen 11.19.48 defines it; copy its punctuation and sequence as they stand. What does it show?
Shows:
12.18.10
